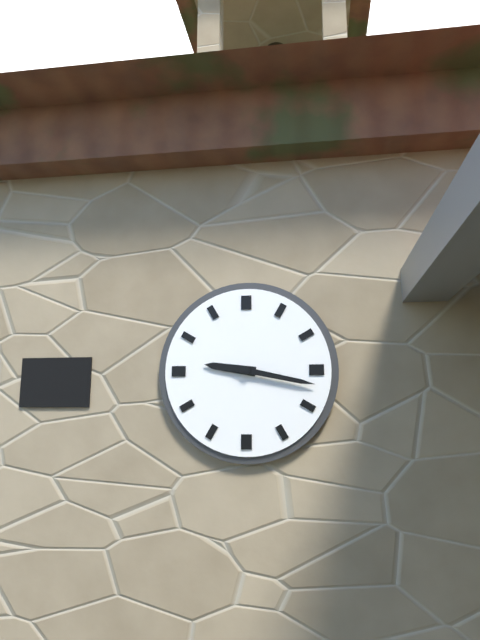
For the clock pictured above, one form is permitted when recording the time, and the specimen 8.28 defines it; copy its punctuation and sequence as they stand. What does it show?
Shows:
9.17
